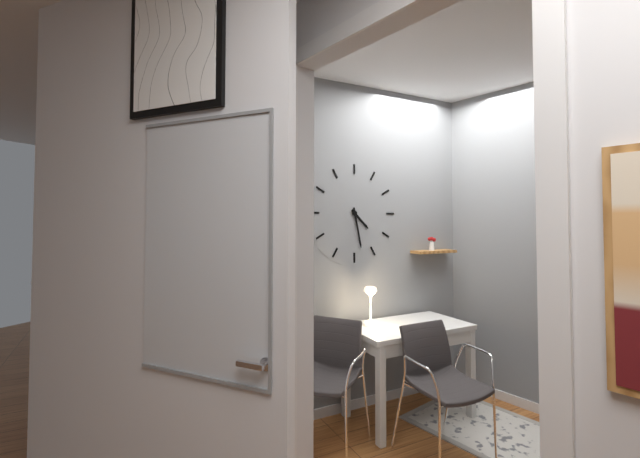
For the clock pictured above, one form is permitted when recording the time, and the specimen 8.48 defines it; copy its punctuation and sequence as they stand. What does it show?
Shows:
4.28
